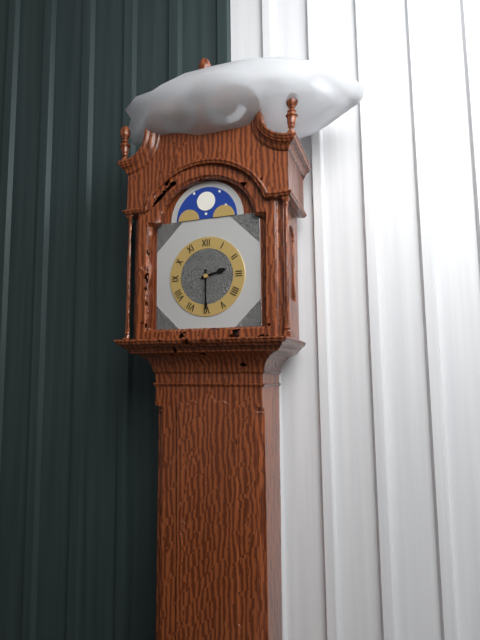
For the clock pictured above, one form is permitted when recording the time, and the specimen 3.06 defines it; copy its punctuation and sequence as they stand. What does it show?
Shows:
2.30
